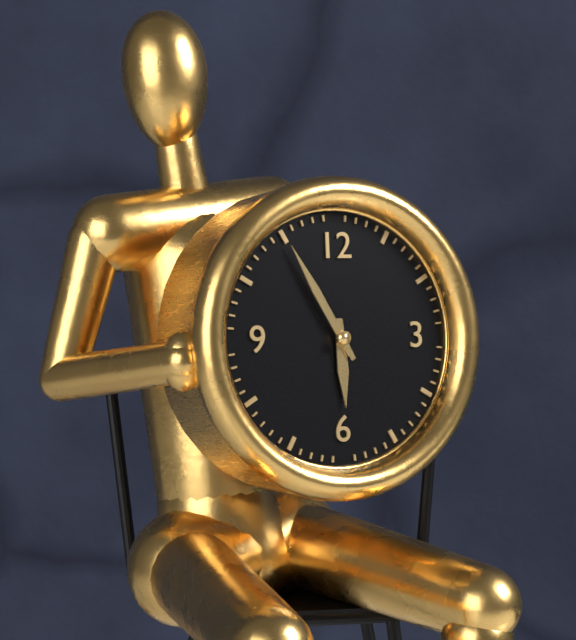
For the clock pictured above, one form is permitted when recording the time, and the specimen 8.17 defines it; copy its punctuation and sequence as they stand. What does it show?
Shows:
5.55
